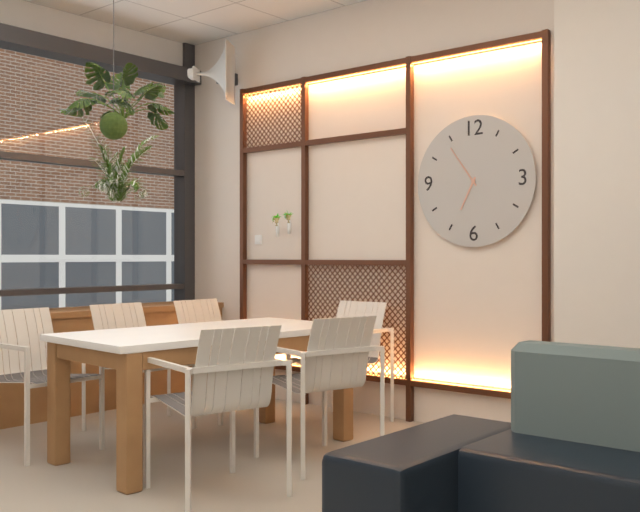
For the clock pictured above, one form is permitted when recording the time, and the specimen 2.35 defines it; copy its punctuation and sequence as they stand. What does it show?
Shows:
6.54
